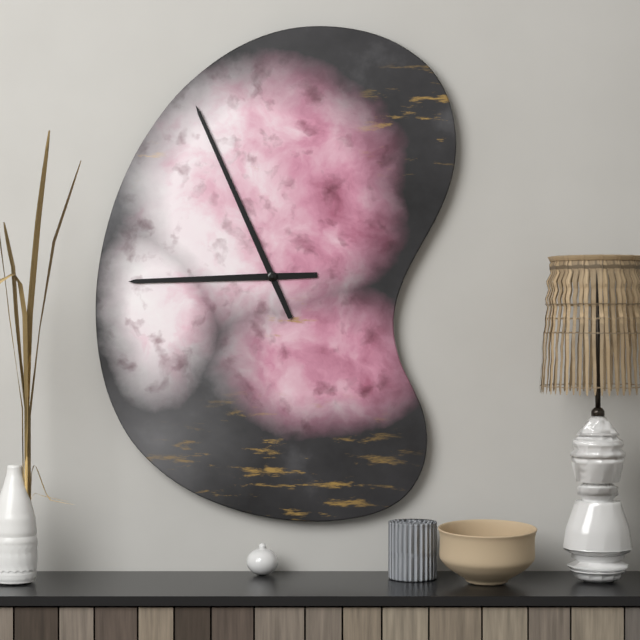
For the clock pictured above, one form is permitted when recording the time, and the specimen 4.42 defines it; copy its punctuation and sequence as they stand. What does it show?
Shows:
8.56
